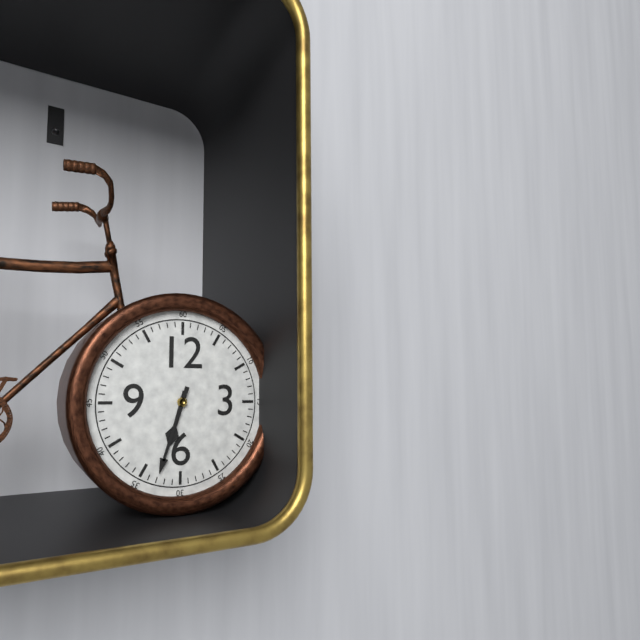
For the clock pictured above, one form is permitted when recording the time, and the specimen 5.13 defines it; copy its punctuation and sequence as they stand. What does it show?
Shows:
6.33
